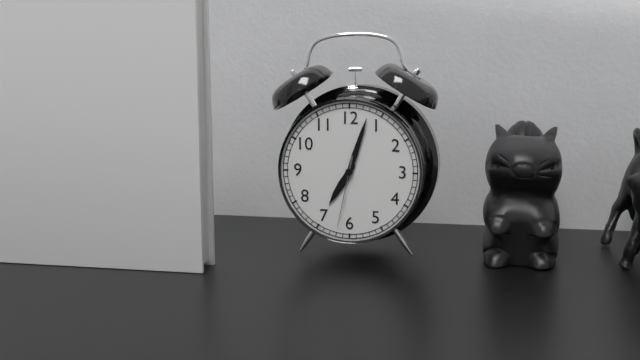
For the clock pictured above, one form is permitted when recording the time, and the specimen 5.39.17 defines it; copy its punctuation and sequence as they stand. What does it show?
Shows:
7.03.32
